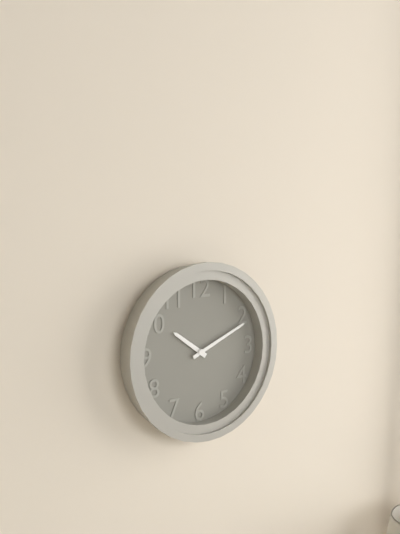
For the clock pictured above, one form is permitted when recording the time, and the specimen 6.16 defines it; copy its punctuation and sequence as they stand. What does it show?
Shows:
10.11
